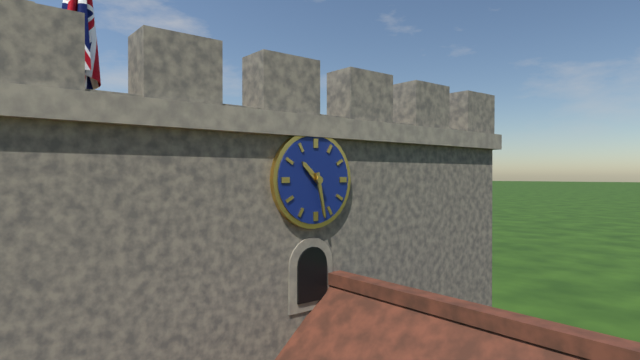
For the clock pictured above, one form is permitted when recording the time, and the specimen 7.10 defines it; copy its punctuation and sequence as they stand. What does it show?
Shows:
10.28
